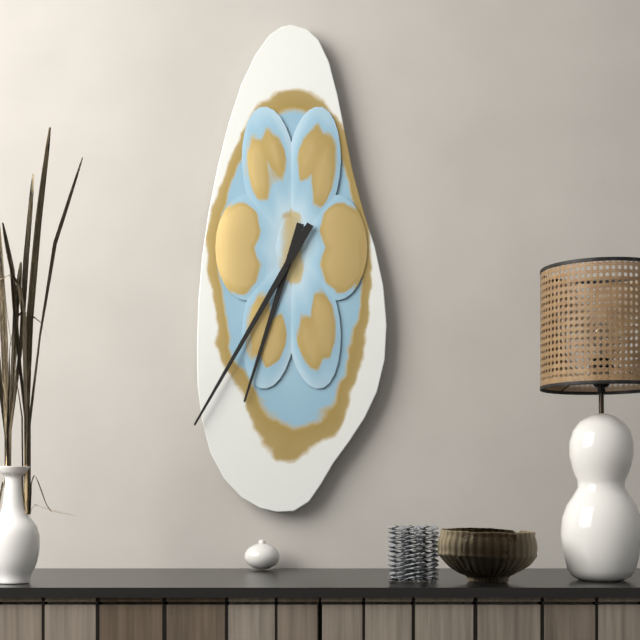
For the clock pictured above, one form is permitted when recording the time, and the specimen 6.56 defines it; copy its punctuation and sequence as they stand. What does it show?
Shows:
6.35
